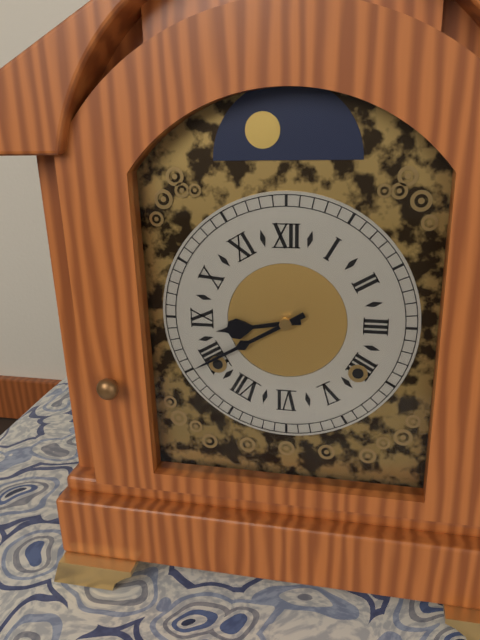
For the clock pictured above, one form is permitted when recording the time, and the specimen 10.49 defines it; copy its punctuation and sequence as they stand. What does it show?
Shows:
8.40
